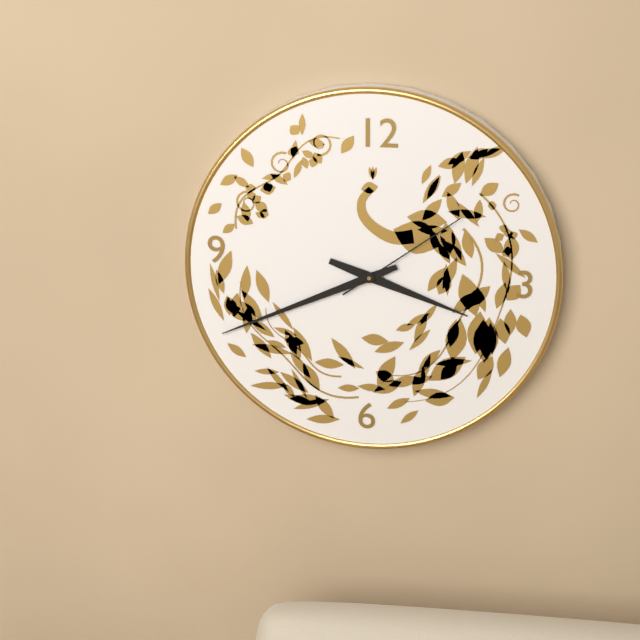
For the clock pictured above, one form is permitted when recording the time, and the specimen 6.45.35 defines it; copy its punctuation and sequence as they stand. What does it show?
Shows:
3.41.09
